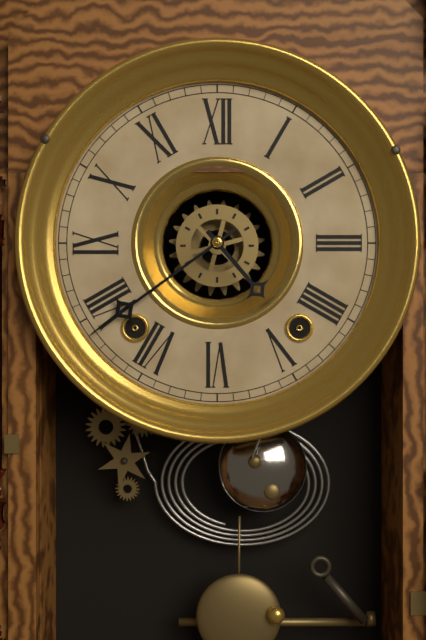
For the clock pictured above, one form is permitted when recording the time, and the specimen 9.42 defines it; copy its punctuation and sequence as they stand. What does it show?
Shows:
4.39
